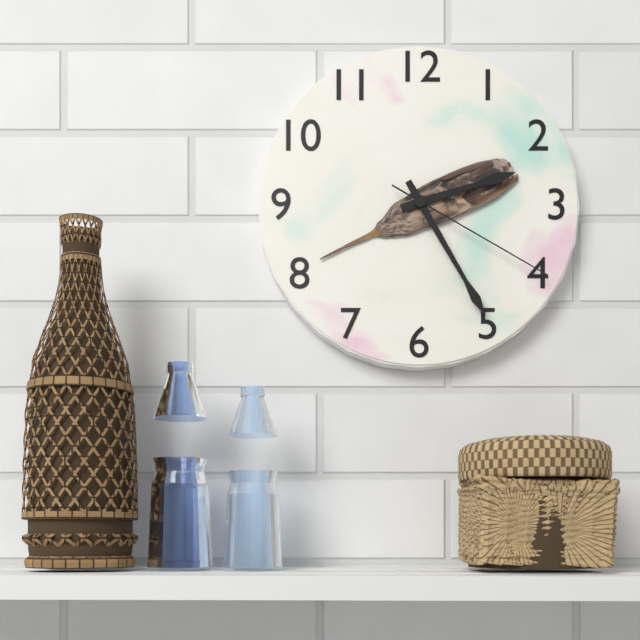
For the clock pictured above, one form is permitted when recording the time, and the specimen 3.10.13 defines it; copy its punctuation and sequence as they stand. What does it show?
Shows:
2.25.20
